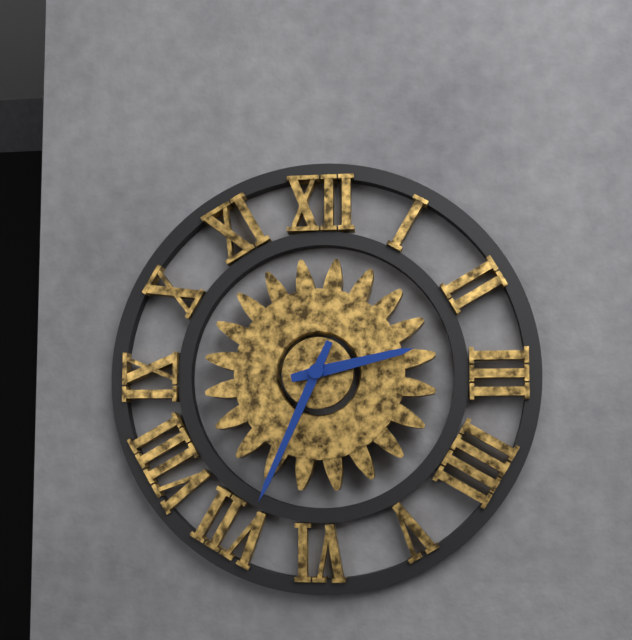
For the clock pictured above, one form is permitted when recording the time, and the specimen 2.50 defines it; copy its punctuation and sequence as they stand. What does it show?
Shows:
2.34
